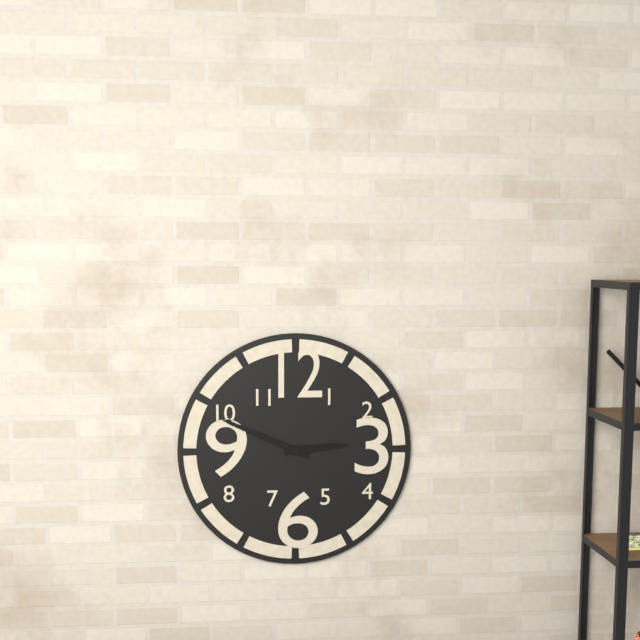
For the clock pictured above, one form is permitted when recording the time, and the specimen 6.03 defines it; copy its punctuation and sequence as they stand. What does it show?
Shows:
2.49
